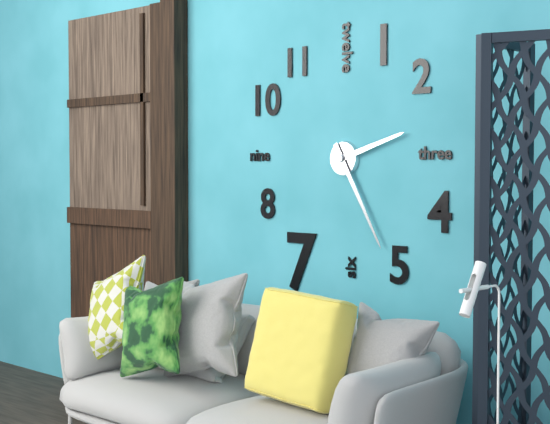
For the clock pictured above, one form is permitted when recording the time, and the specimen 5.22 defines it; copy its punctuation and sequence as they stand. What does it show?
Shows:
2.25
